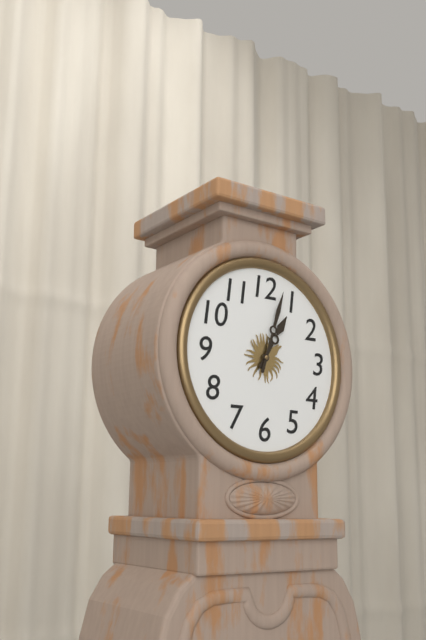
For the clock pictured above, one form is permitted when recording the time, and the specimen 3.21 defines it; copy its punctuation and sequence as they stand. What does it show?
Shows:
1.03
